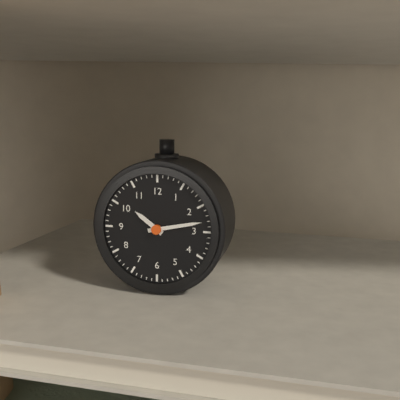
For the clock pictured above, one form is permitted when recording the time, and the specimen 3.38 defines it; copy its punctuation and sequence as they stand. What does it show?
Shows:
10.13
